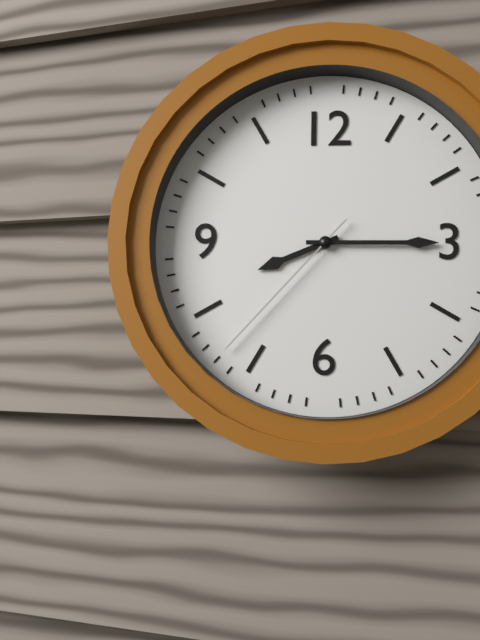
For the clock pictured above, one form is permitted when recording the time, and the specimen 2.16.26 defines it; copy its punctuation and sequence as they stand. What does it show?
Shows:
8.15.37
